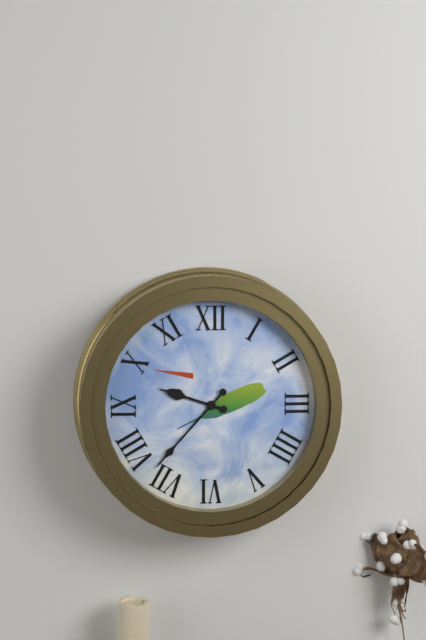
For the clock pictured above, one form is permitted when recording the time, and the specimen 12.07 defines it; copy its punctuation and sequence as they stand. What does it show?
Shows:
9.37
